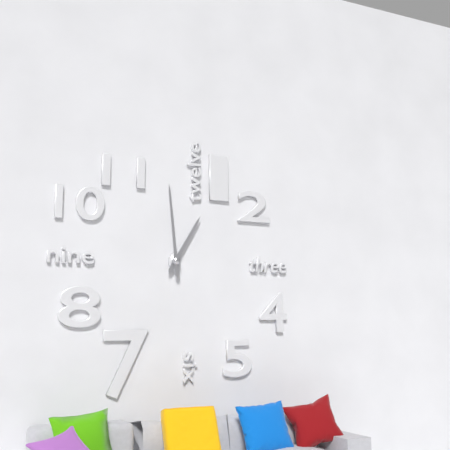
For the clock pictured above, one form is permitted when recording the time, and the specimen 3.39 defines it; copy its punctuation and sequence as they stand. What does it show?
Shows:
12.59
